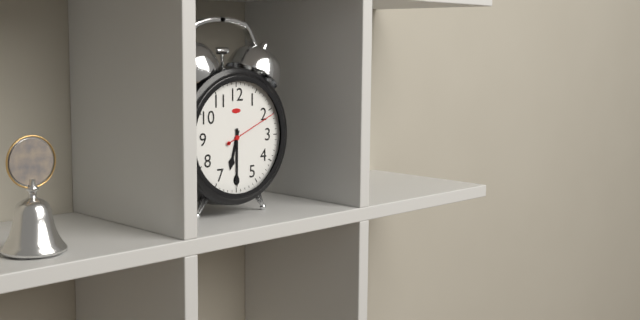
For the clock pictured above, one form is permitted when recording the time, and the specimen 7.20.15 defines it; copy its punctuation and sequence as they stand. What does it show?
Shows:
6.30.11
